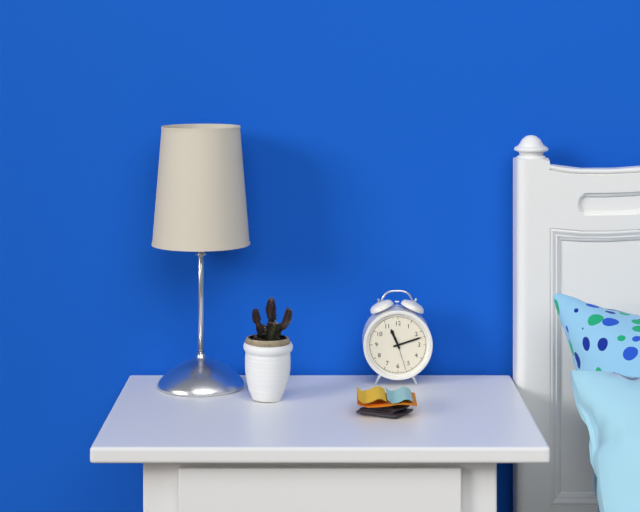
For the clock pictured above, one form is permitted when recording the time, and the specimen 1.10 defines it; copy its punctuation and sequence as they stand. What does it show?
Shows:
11.12
